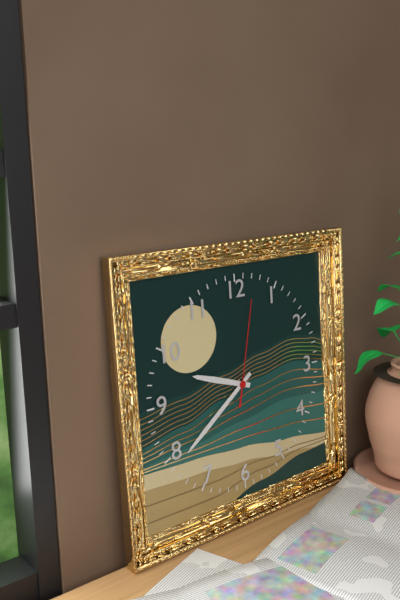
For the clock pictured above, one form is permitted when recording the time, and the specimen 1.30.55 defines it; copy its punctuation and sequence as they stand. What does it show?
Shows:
9.39.02
